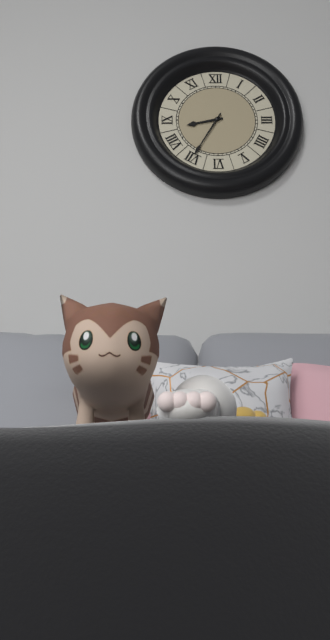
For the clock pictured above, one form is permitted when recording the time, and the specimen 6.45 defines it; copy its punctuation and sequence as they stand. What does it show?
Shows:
8.35
